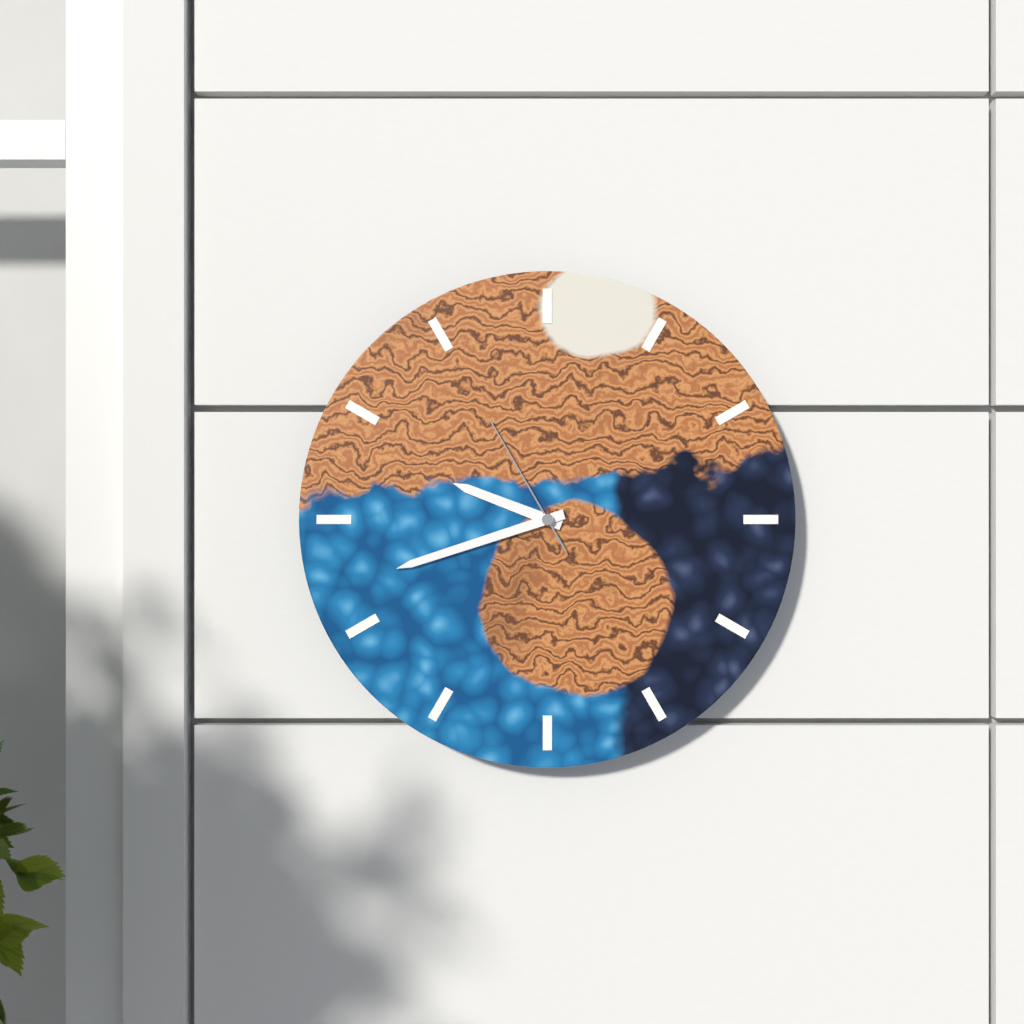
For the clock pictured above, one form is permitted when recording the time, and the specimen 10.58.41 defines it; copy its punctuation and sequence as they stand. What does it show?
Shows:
9.42.55
